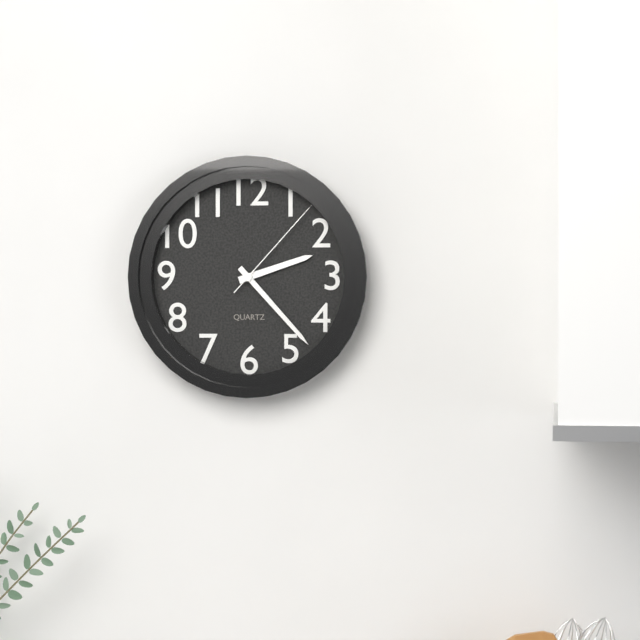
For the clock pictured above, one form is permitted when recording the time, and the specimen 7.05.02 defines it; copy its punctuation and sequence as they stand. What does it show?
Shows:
2.23.07
